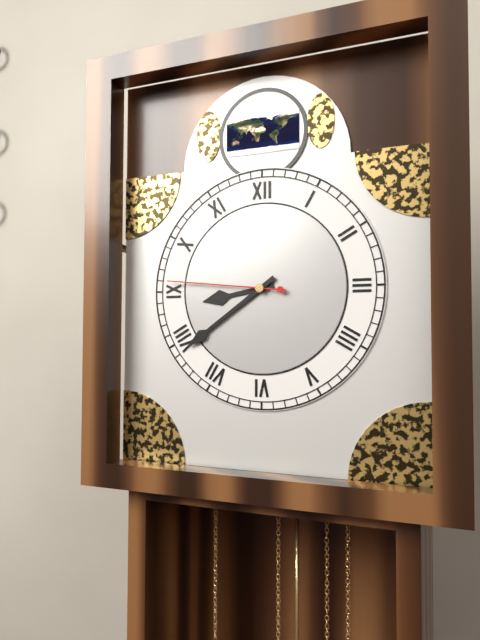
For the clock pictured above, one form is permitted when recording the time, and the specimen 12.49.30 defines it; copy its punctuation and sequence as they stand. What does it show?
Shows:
8.39.46
